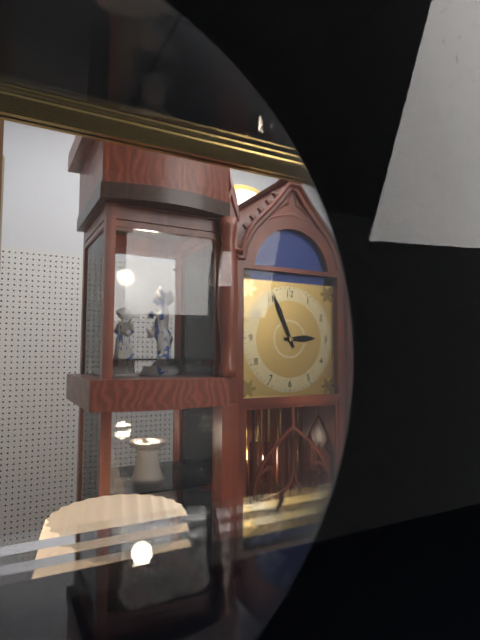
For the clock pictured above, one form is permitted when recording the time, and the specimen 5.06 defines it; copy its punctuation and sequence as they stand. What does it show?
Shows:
2.56
